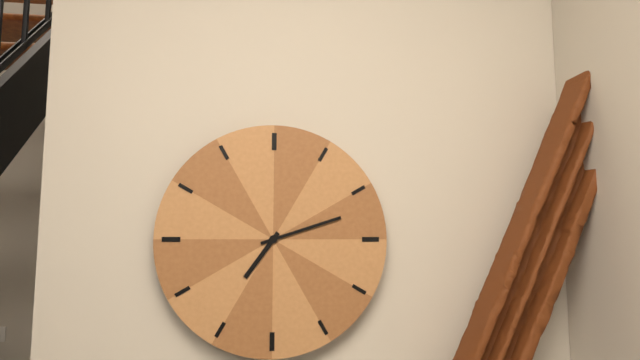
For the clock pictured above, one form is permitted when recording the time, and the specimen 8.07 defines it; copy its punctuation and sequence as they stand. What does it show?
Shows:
7.12
